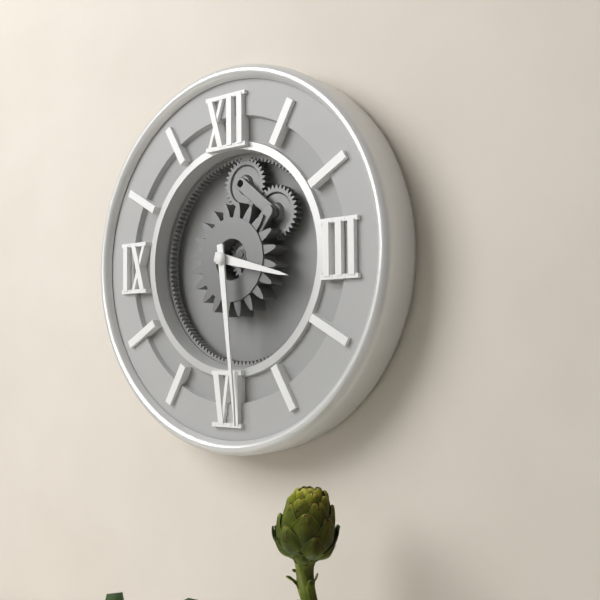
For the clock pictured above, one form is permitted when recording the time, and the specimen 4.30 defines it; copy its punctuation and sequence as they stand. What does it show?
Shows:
3.29
